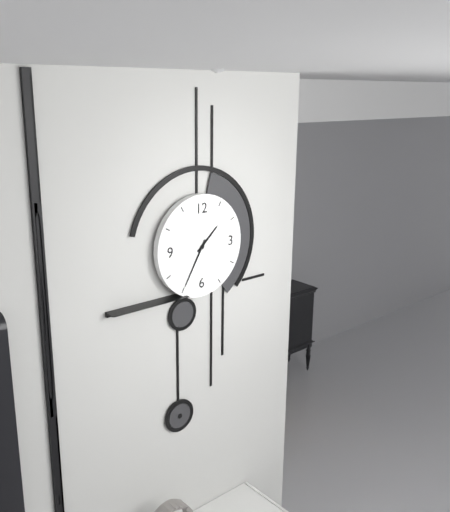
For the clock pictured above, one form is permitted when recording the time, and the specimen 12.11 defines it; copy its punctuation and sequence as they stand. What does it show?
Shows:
1.35
